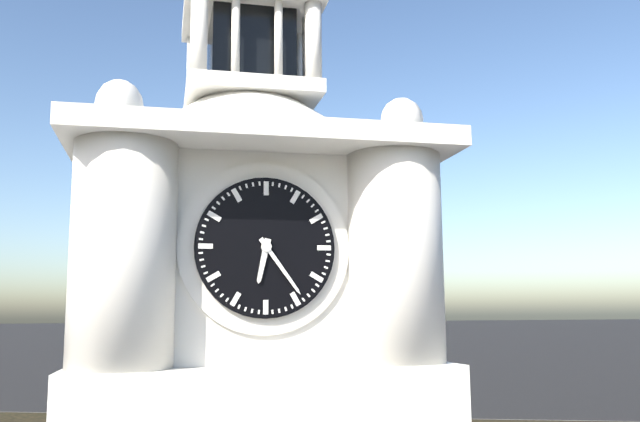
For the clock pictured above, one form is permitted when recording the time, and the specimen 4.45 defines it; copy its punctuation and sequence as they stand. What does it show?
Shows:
6.24
